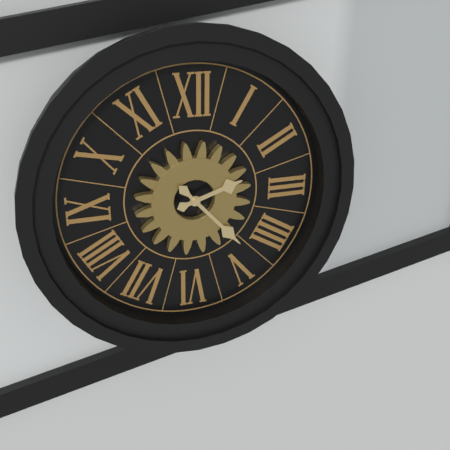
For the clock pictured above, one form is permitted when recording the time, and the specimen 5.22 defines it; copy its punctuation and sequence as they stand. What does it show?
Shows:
2.23
